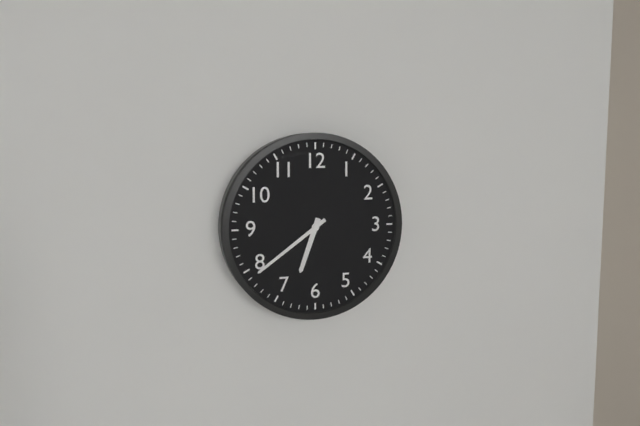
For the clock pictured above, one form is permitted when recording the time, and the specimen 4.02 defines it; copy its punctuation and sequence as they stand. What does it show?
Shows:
6.39
